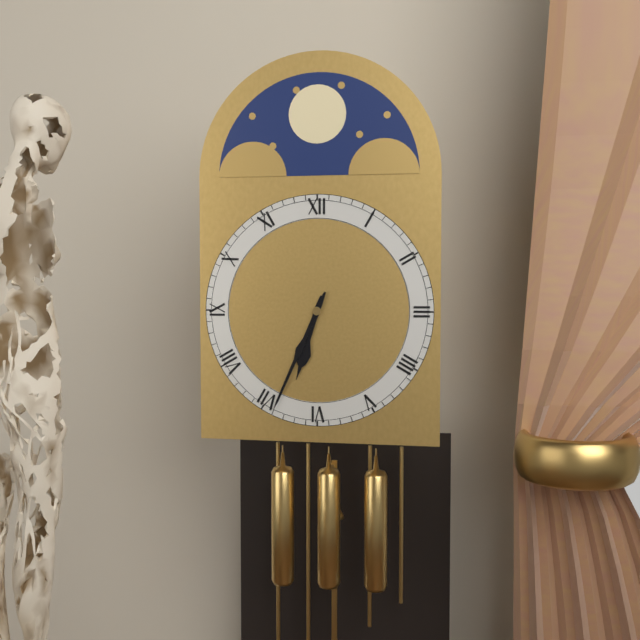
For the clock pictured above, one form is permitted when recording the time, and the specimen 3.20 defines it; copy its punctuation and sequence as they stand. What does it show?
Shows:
6.34
